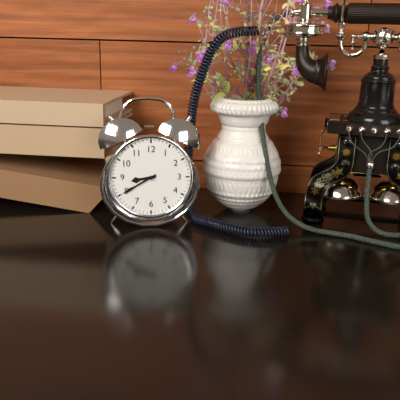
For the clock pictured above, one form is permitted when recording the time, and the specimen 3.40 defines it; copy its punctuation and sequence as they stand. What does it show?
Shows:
8.40
